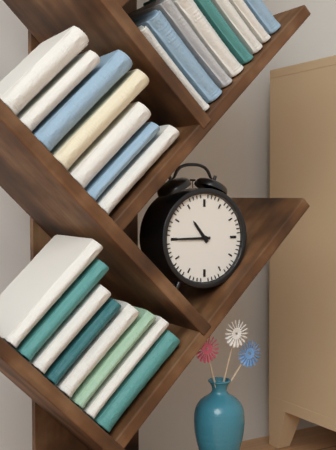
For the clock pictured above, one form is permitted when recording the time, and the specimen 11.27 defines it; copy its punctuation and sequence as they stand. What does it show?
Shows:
10.45
